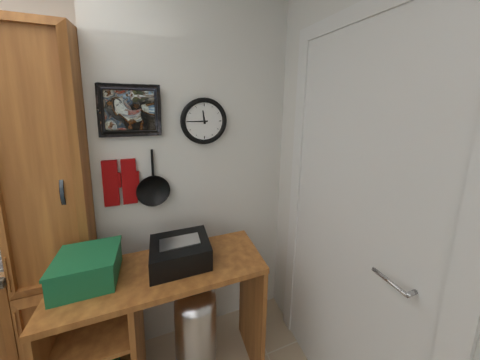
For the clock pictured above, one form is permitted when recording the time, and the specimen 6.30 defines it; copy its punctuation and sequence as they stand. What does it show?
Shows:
11.45
